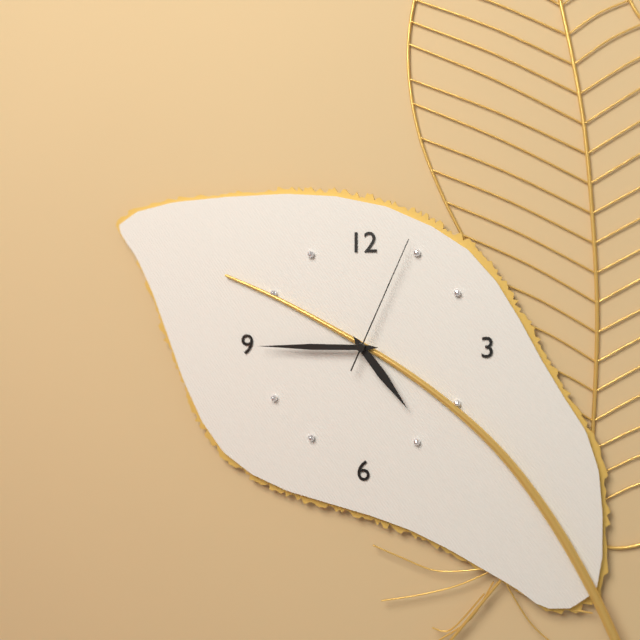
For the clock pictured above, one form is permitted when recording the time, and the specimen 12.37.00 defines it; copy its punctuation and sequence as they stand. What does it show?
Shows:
4.45.04
